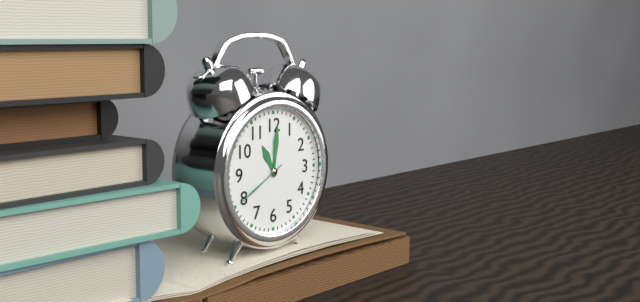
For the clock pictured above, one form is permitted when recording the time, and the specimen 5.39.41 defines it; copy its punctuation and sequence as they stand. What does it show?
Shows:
11.01.40
